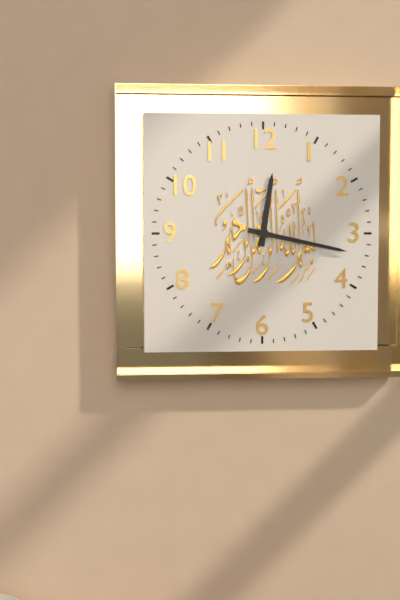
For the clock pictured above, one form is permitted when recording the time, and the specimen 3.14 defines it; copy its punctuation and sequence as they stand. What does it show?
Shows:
12.17
